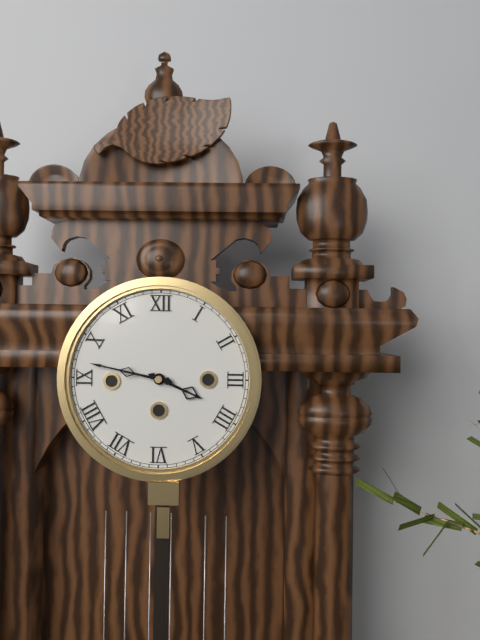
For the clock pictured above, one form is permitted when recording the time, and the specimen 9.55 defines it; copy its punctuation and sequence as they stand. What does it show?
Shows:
3.47
